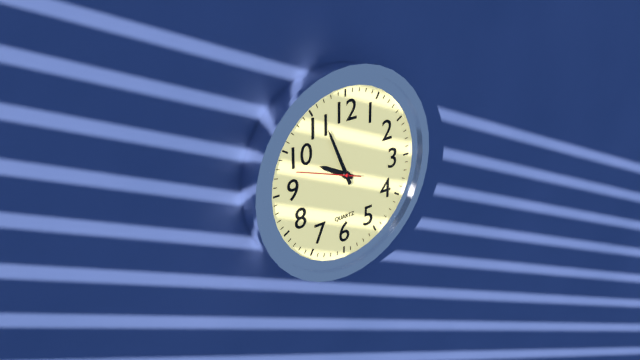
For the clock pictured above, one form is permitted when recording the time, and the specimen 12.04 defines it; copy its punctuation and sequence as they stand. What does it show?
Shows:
9.56
